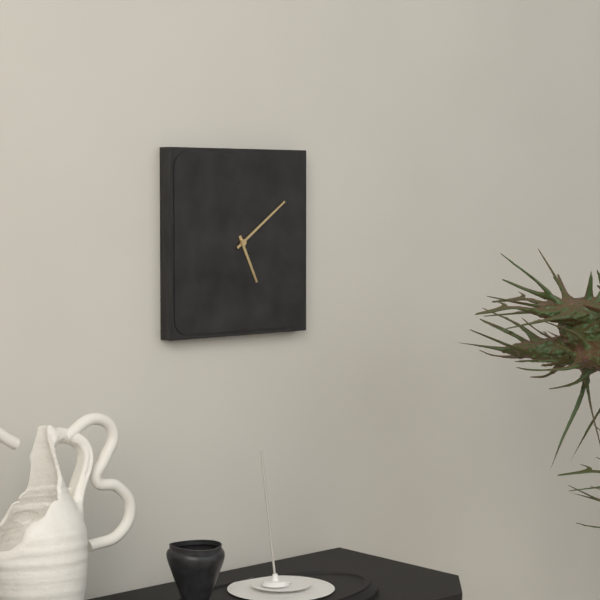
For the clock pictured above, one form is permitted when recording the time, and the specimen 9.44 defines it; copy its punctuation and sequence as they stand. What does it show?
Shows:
5.09
